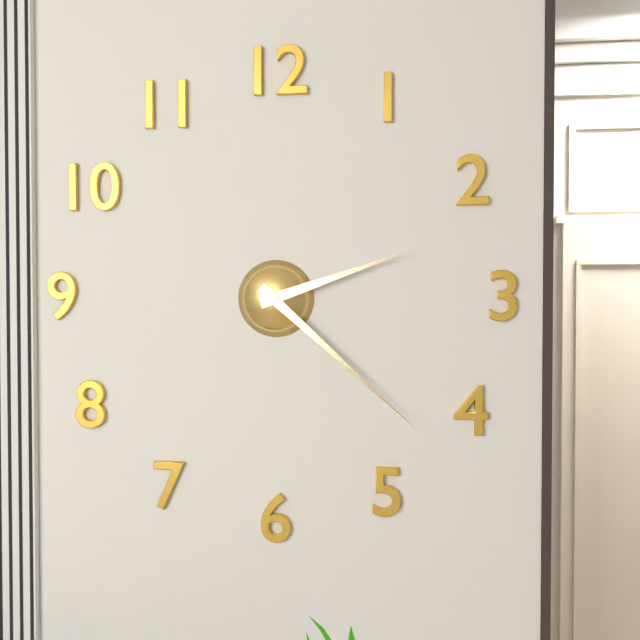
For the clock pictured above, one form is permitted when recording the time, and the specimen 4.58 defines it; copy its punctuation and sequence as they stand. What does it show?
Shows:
2.22
